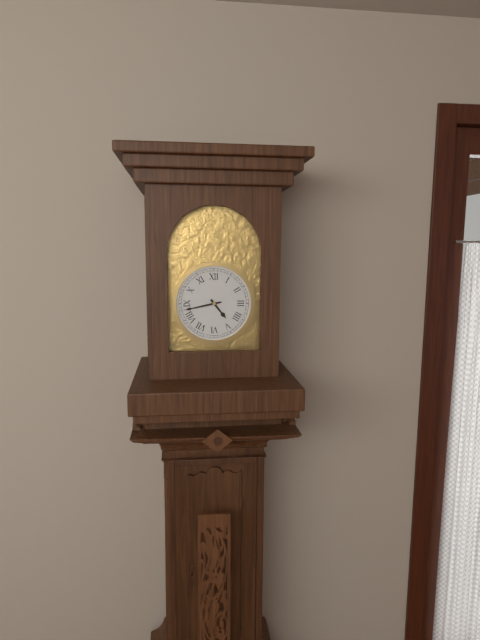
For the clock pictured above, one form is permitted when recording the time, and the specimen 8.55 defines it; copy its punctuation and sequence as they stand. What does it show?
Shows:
4.43
